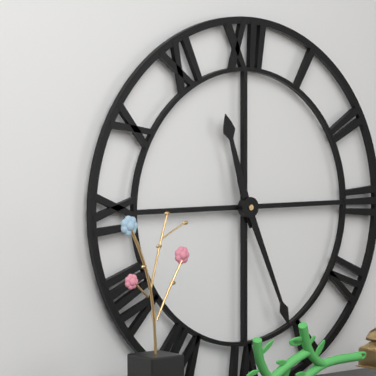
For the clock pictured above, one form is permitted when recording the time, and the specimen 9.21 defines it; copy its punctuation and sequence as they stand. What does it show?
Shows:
11.26
